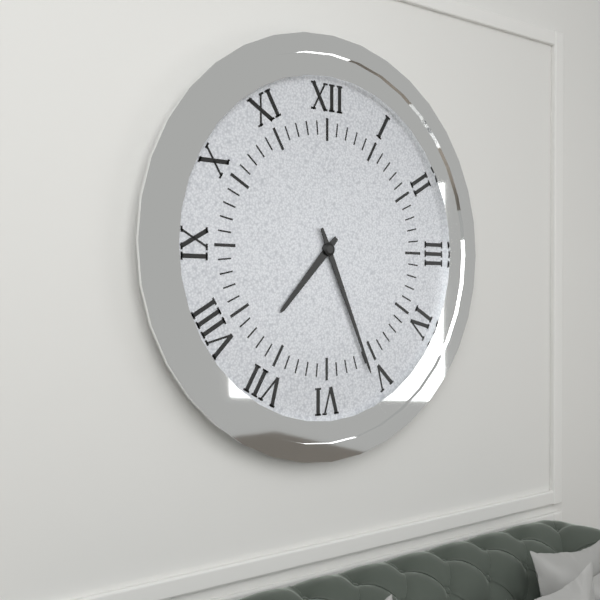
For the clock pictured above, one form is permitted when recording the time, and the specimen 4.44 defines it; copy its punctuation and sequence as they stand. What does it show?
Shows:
7.26
